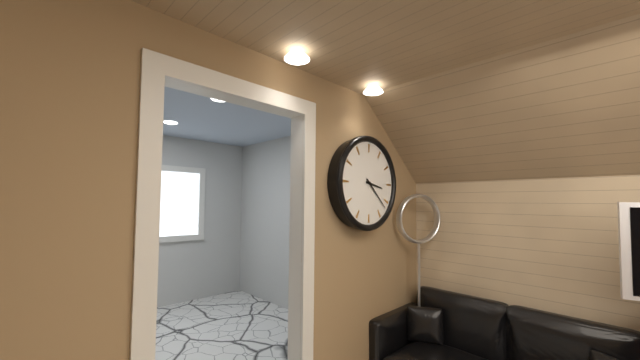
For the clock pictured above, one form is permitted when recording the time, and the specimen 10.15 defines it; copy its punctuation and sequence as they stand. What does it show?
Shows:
3.22
